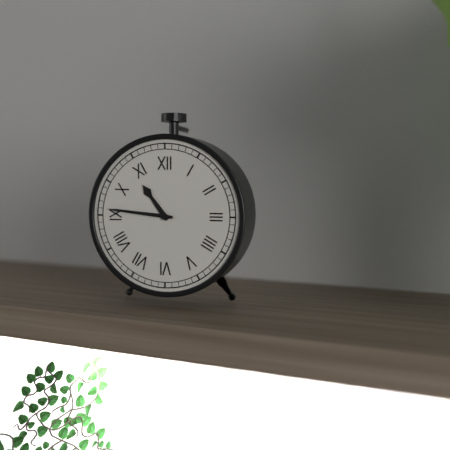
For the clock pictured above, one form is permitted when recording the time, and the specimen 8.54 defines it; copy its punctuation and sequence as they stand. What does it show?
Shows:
10.46
